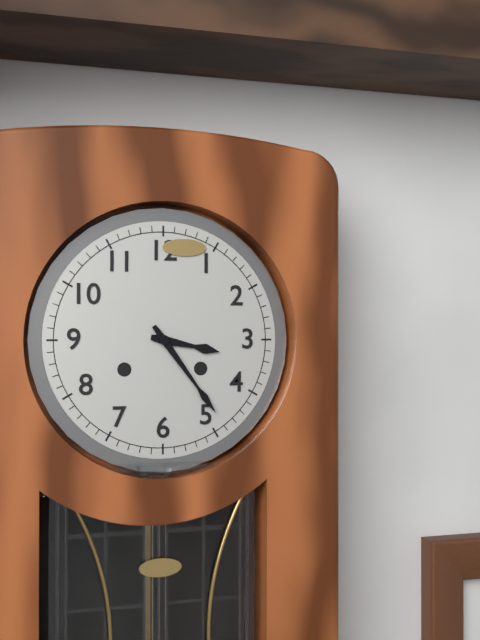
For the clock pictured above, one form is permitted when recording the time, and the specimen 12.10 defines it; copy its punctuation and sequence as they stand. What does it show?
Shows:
3.24
